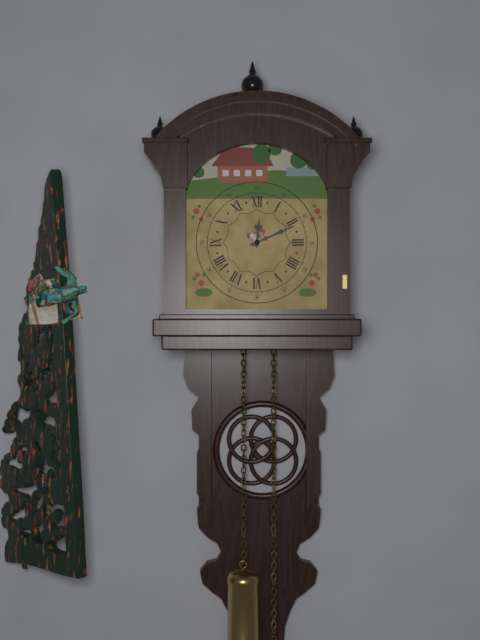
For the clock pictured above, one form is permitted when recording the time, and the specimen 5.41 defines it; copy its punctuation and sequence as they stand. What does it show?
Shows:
12.11
